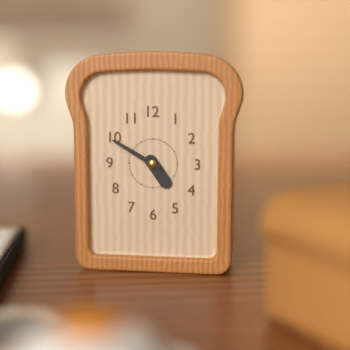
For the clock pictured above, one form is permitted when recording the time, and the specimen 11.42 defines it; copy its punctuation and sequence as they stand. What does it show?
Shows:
4.50
